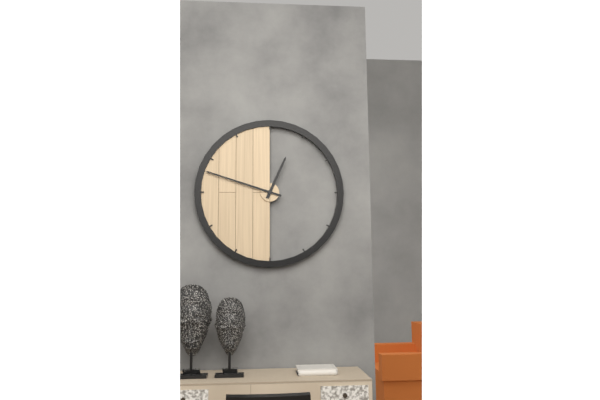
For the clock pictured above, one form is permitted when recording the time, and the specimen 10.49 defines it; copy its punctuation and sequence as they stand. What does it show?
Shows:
12.48
